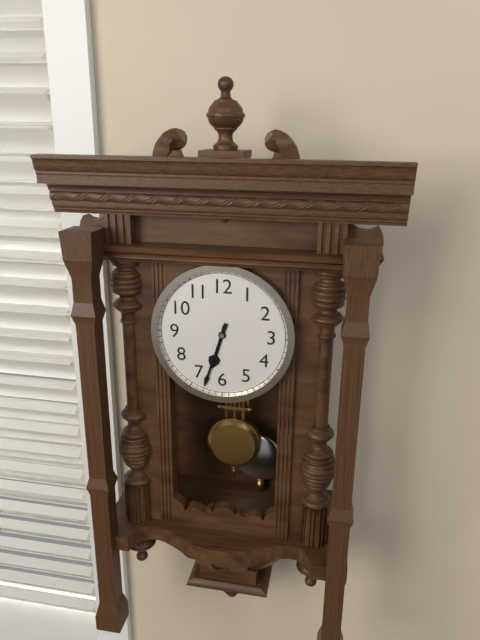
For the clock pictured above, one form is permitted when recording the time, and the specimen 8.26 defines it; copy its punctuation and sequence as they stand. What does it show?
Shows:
6.33
